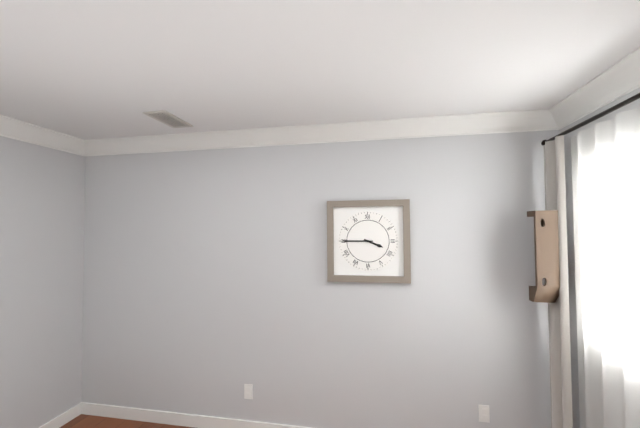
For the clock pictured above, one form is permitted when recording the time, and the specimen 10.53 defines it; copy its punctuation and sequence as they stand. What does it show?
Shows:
3.45
